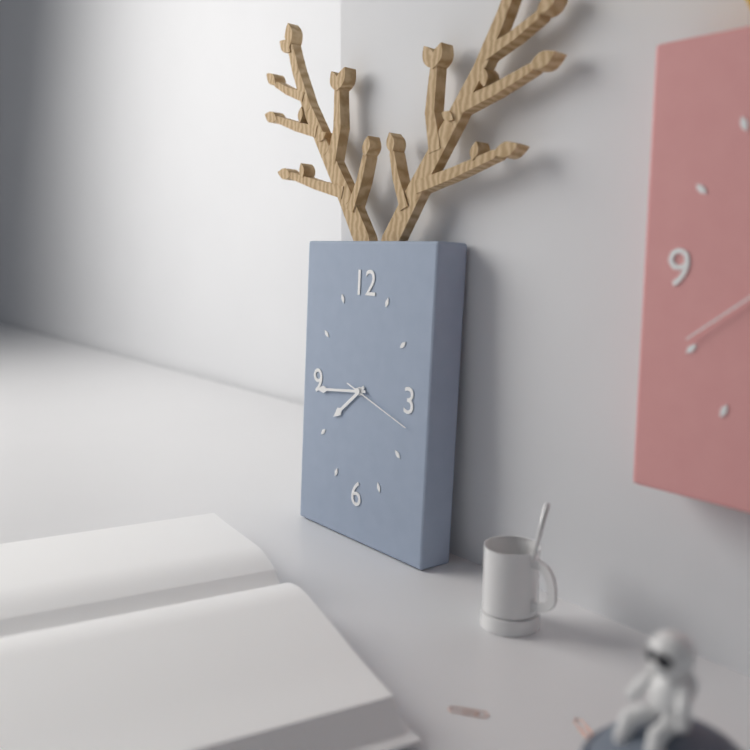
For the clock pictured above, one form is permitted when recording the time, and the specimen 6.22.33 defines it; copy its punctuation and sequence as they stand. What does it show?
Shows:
7.44.18
